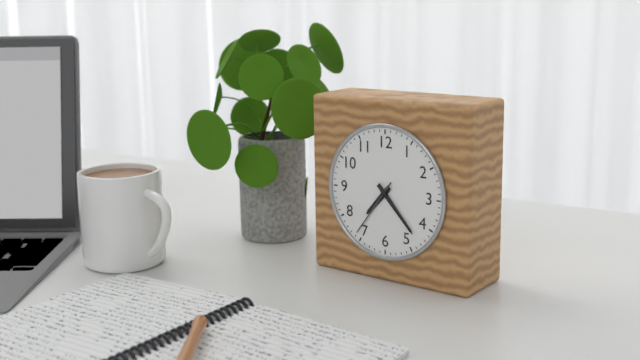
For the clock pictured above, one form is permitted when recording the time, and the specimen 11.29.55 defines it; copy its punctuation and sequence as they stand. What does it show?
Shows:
7.23.36
